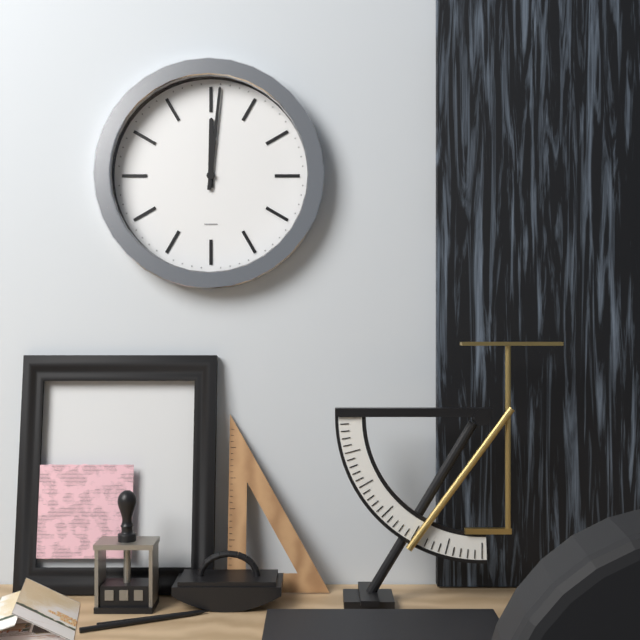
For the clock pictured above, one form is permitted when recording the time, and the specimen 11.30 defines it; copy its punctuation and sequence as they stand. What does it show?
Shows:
12.01
